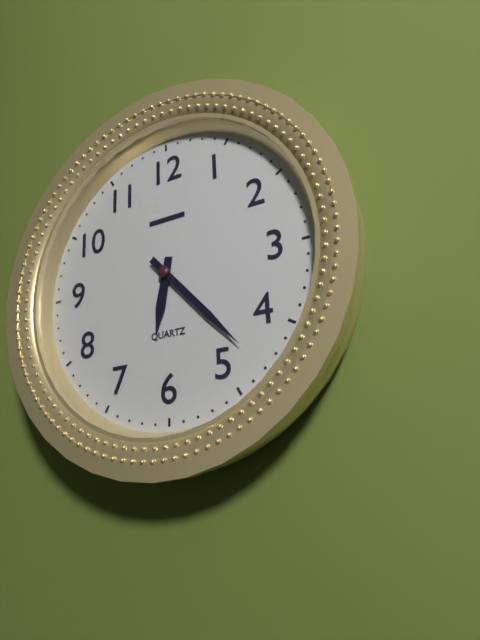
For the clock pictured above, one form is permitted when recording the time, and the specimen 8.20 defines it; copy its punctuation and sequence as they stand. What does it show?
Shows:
6.23
